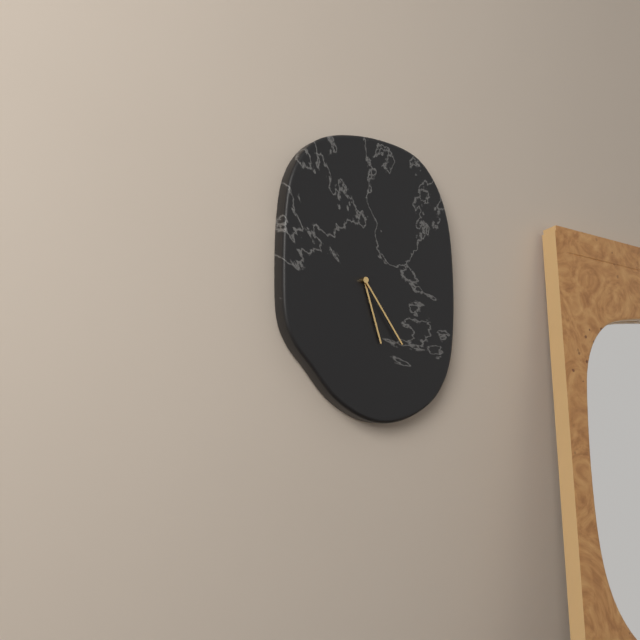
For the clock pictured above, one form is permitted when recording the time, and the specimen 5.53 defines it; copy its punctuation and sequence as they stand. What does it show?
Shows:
5.24
